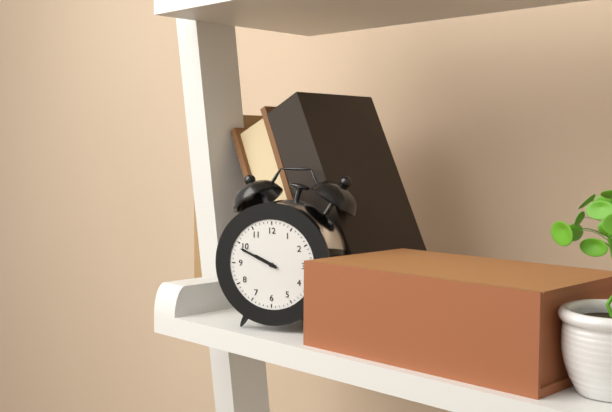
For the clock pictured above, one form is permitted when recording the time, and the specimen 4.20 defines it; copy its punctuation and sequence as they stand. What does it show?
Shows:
9.49
